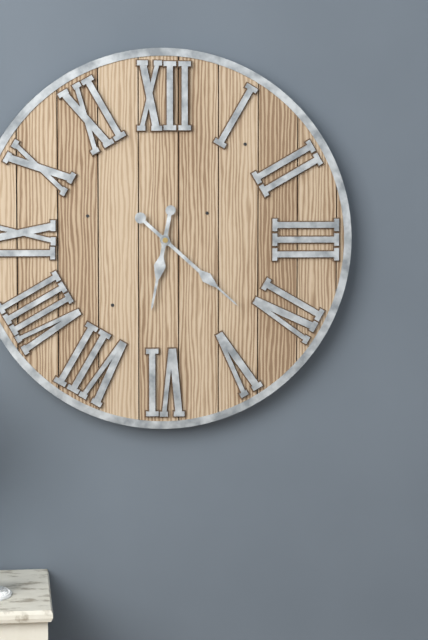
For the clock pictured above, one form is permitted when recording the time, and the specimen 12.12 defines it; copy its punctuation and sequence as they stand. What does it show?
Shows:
6.22
